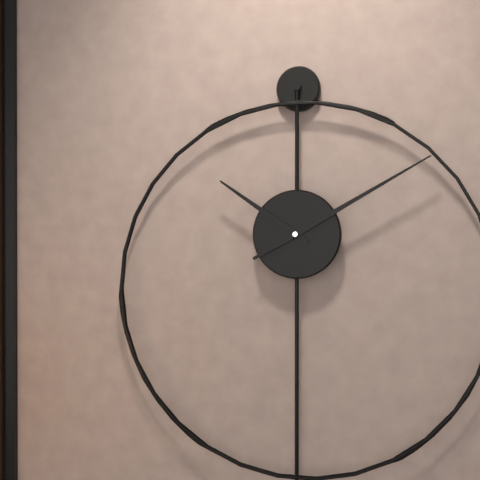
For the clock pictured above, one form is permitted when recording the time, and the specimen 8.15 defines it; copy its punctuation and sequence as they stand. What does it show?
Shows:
10.10
